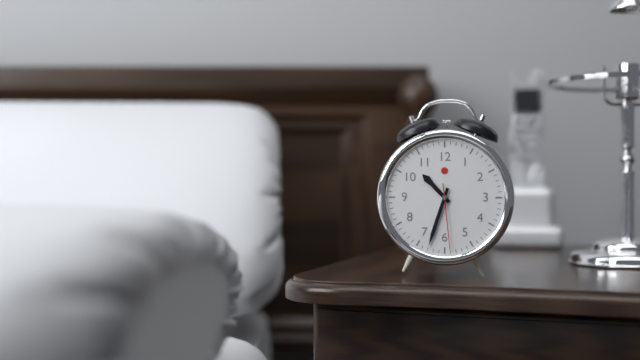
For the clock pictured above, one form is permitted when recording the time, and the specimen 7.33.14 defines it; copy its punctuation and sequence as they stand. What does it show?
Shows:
10.33.29
